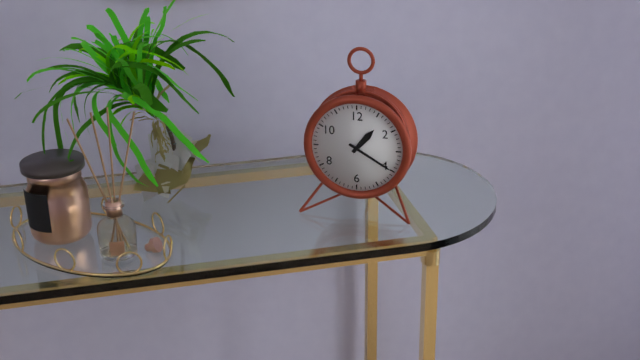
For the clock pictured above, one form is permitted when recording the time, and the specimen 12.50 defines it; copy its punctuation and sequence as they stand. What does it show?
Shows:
1.20
